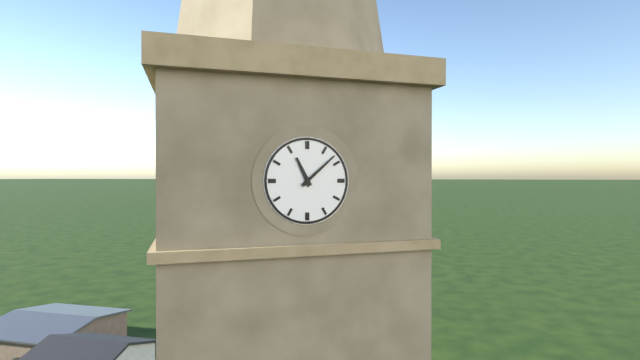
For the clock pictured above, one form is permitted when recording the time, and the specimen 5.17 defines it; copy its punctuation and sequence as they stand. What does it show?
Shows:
11.08
